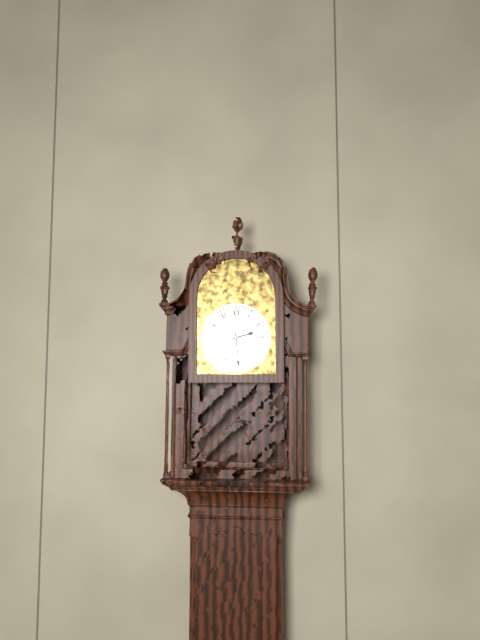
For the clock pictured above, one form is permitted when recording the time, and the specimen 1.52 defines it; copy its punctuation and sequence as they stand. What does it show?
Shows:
2.29
